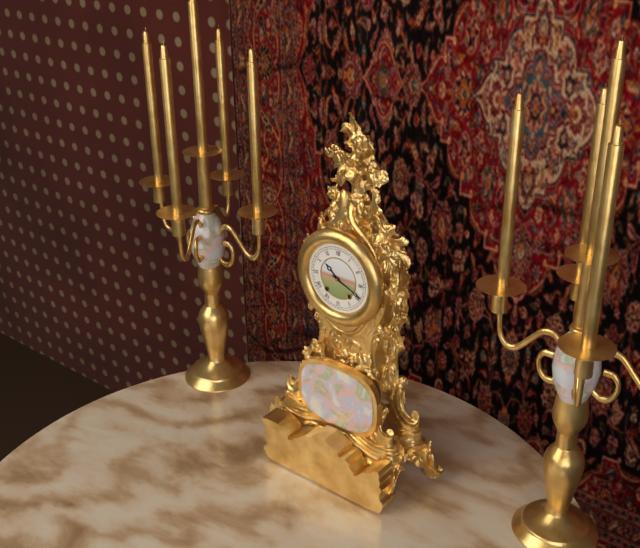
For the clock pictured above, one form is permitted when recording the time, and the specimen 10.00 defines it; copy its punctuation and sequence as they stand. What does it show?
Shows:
10.19
